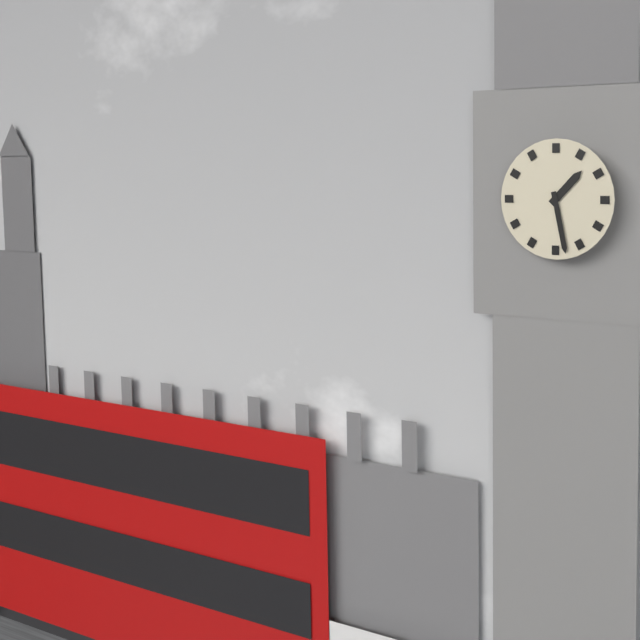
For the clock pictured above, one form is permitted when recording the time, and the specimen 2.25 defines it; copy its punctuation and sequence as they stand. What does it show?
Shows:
1.28
